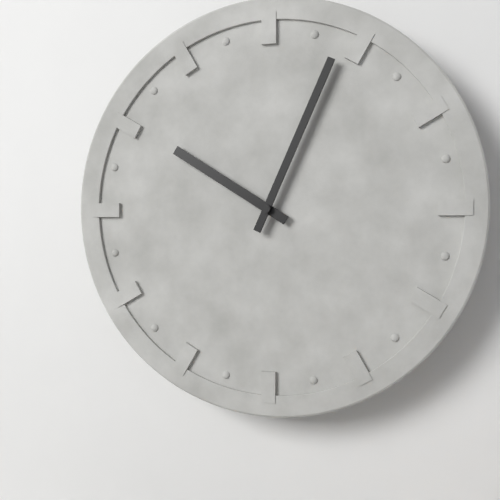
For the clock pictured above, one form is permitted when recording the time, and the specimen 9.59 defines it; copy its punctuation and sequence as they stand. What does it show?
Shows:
10.04
